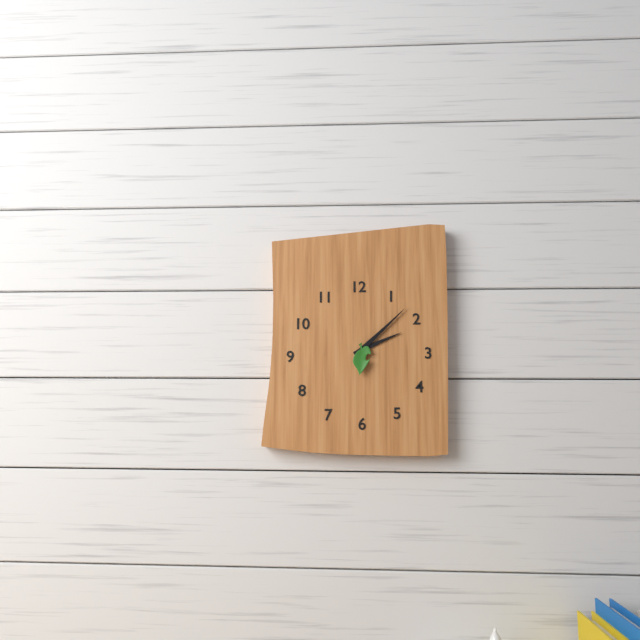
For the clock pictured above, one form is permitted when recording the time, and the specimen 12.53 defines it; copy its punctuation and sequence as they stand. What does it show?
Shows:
2.08
